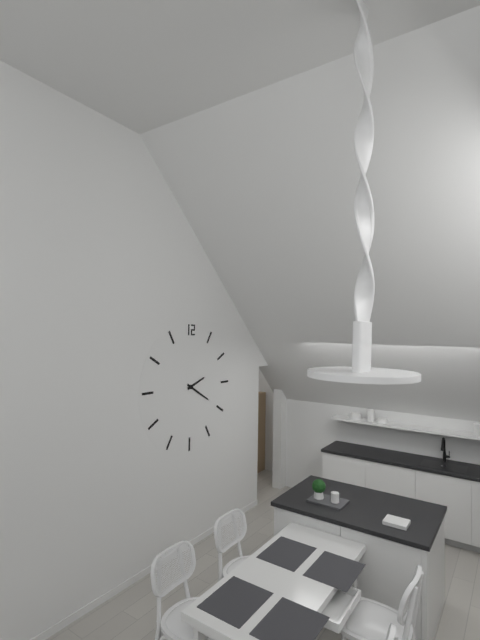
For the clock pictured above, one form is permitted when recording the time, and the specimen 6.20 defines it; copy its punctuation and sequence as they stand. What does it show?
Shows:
2.20
